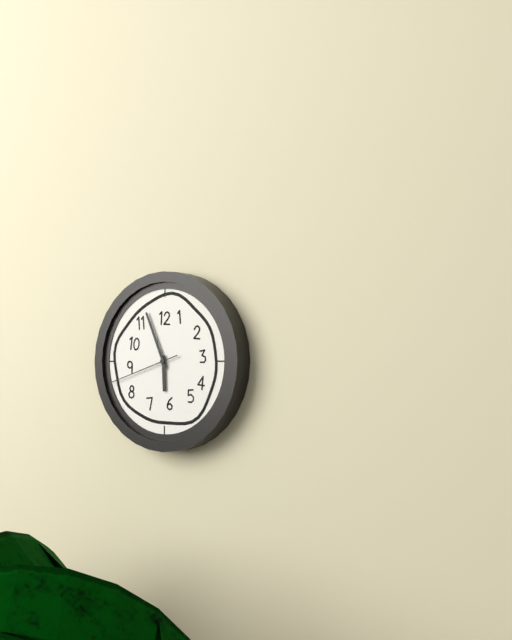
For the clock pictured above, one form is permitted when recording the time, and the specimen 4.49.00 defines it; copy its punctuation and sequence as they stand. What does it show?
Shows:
5.56.42
